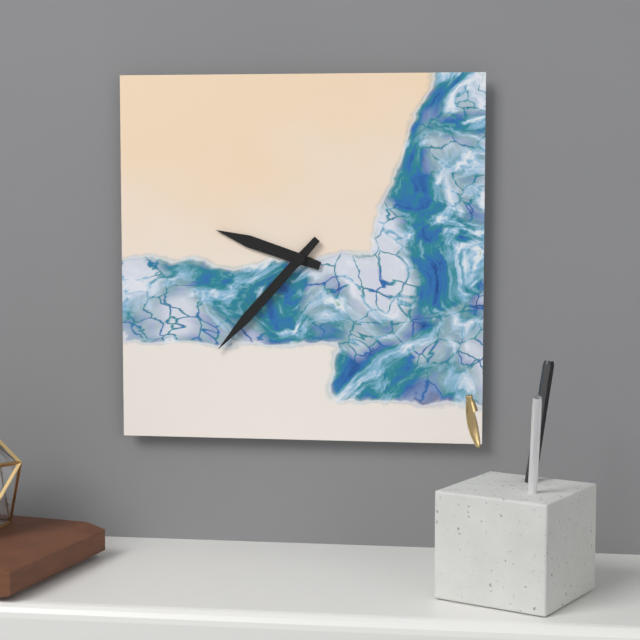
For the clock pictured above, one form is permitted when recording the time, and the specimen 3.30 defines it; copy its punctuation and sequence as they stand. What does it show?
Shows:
9.37
